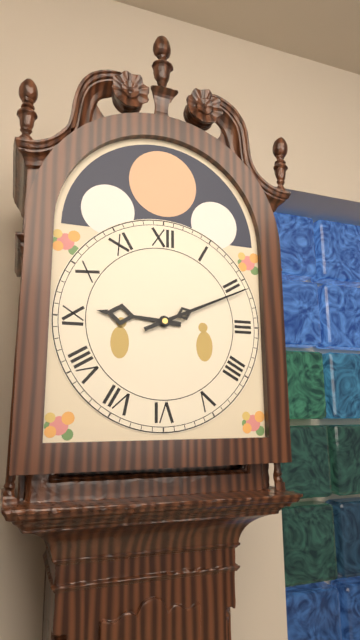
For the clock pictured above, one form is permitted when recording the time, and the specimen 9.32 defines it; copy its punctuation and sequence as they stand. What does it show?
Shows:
9.11
